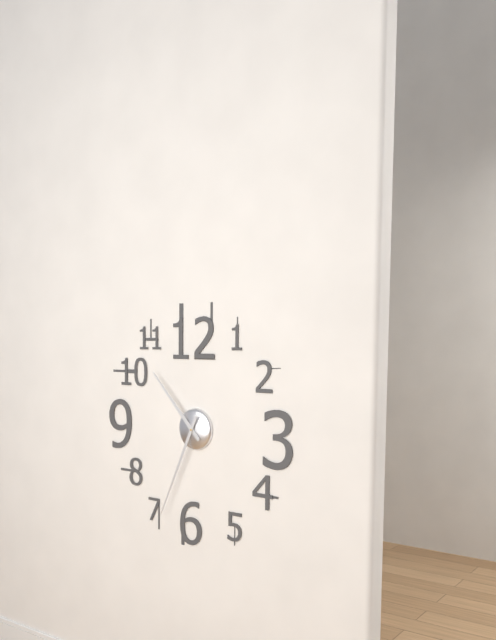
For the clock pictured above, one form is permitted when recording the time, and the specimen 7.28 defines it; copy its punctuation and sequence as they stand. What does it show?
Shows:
10.34
